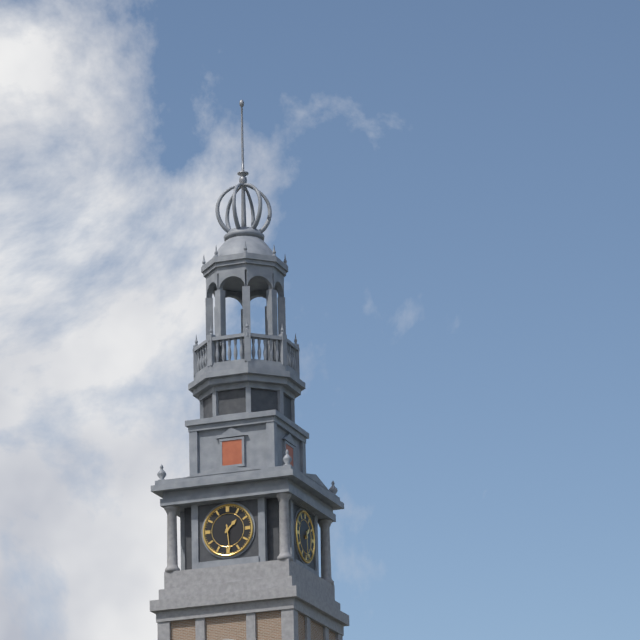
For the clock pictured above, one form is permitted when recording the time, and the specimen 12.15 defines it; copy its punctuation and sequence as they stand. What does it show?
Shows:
1.29
